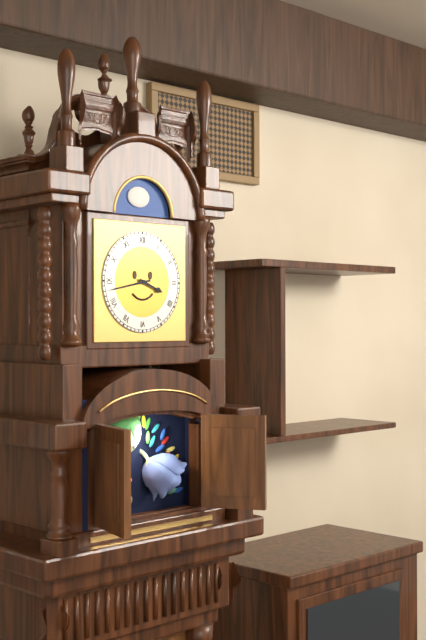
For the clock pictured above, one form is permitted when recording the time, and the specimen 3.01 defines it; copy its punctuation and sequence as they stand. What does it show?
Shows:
3.43
